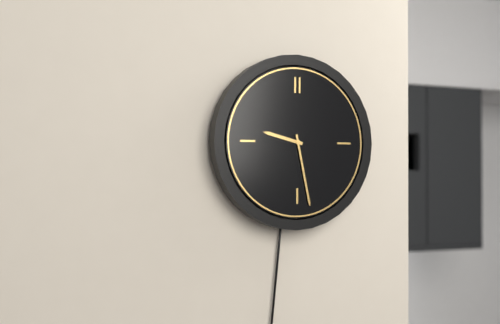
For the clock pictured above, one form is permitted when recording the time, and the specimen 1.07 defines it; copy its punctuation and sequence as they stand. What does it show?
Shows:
9.28
